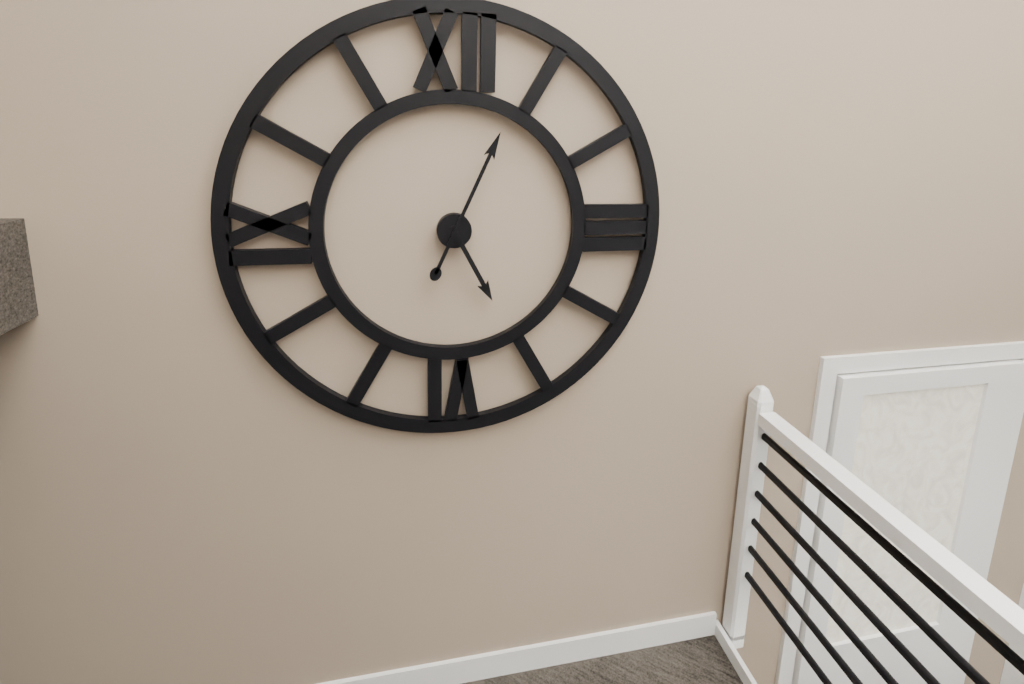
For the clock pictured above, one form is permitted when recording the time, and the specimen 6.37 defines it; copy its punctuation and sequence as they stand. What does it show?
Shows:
5.04
